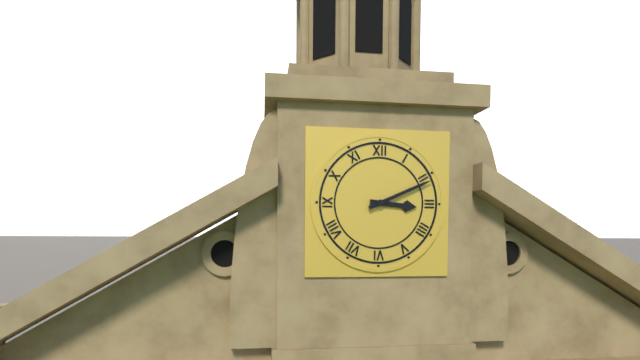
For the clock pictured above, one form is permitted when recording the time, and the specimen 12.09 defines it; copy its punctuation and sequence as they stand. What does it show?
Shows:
3.11
